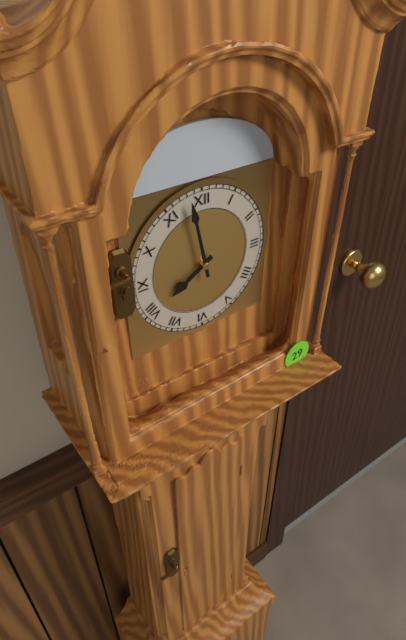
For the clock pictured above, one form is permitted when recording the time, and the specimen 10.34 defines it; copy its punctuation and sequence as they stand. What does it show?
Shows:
7.58
